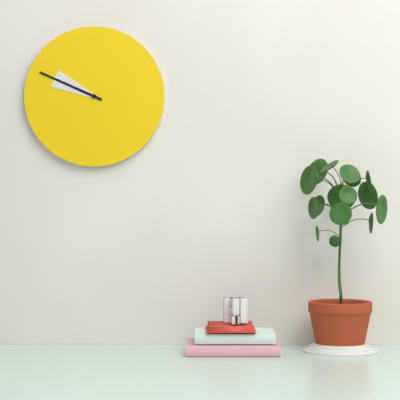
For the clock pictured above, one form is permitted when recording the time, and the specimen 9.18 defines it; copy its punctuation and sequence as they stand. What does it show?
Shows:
9.49
